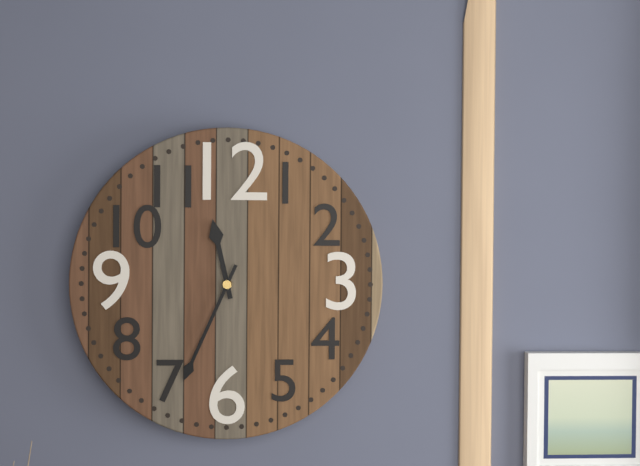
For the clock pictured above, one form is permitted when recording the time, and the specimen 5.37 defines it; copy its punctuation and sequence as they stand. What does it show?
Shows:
11.34
